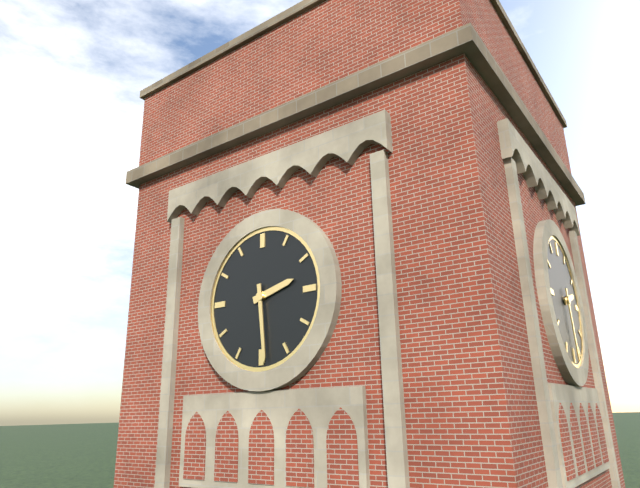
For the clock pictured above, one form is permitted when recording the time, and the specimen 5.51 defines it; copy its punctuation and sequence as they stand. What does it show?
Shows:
2.29
